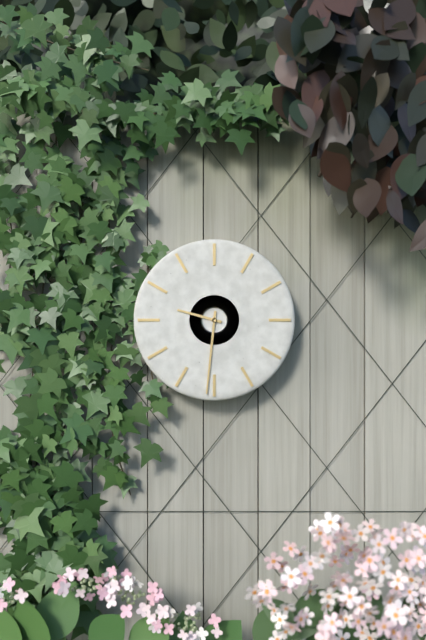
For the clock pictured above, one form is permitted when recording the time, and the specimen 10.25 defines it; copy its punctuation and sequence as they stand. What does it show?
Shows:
9.31
